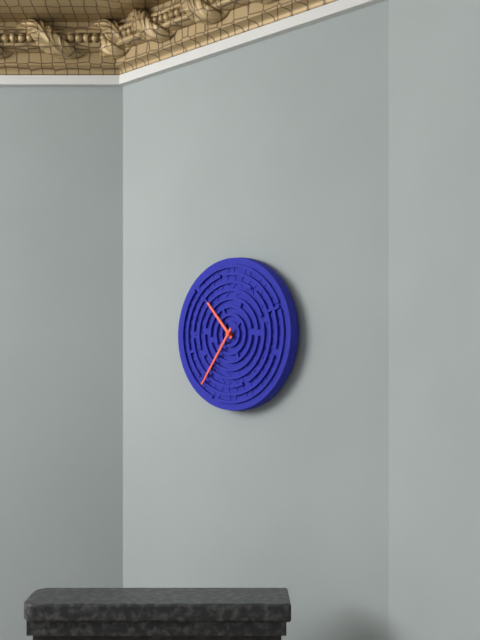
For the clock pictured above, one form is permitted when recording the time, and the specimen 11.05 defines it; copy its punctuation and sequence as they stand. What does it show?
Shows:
10.36
